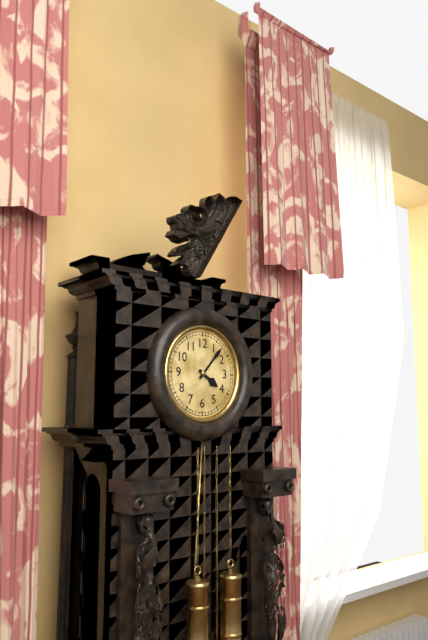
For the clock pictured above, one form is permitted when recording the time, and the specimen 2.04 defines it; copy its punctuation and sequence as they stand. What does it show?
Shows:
4.07
